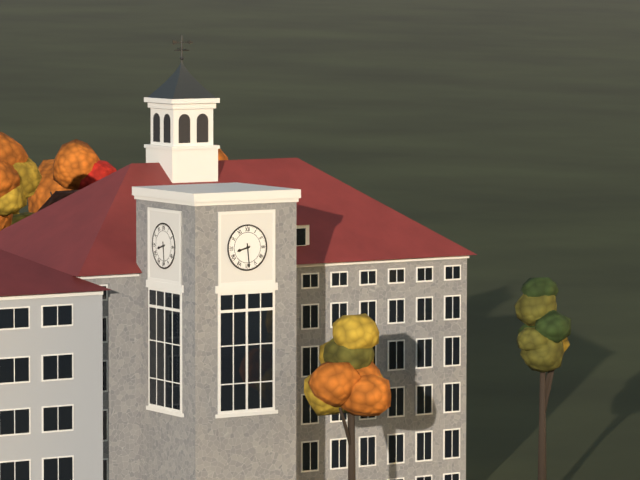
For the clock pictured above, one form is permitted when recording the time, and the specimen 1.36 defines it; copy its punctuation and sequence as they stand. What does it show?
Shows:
8.29
